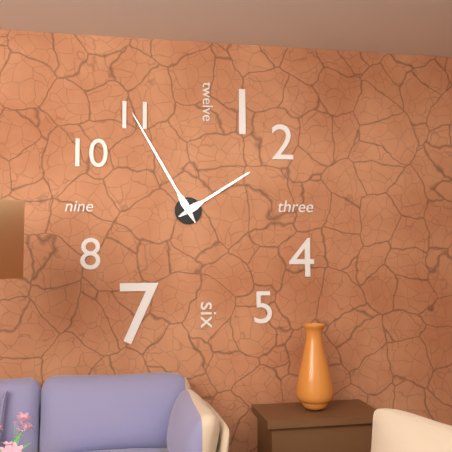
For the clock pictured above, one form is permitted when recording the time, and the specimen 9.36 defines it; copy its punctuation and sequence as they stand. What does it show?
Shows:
1.55
